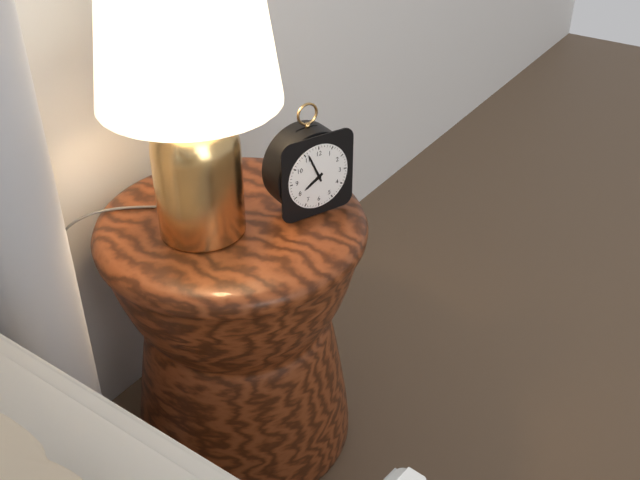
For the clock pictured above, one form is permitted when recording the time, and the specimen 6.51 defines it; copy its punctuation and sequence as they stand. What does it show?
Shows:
7.56
